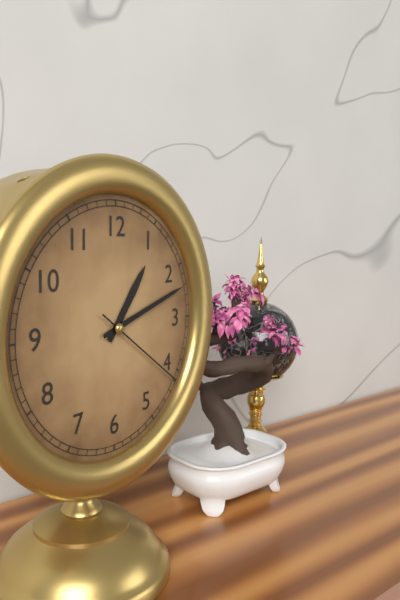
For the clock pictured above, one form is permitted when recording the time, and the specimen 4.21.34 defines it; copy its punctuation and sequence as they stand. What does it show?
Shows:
1.12.21
